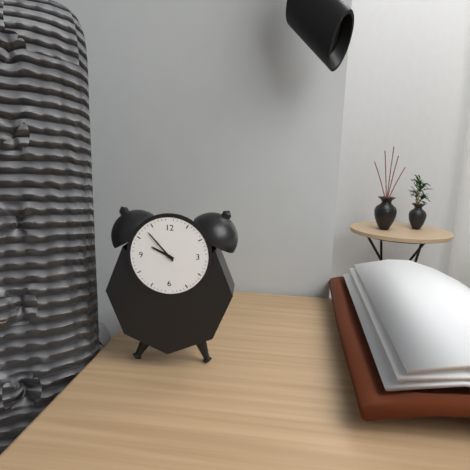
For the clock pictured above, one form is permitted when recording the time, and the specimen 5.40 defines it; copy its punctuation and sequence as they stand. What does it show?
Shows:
9.53
